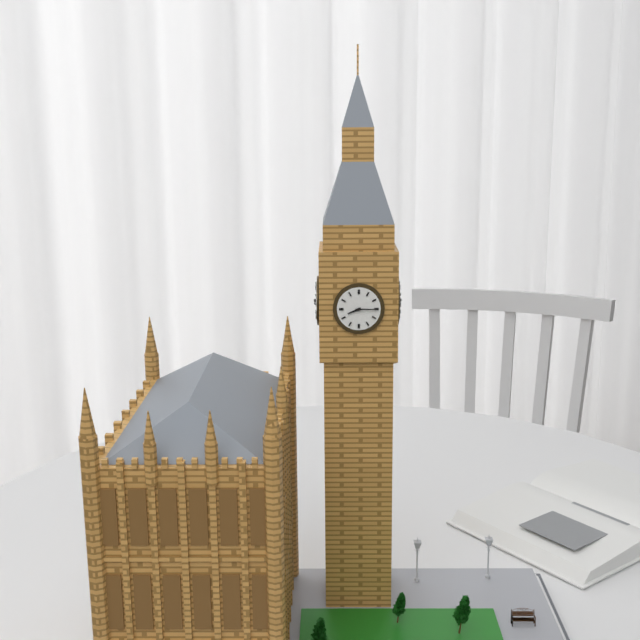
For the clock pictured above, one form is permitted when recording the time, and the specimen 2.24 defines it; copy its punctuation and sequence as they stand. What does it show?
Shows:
8.15
